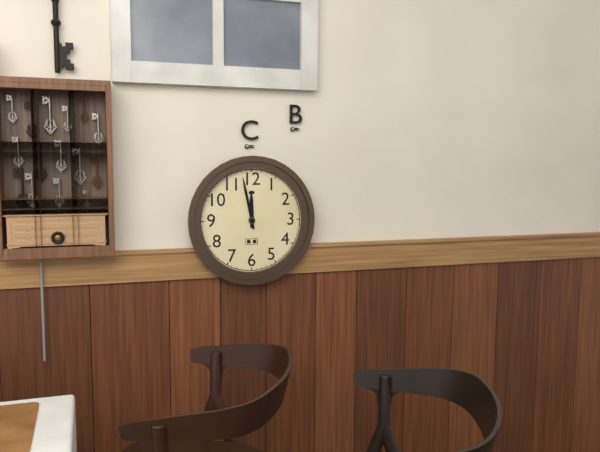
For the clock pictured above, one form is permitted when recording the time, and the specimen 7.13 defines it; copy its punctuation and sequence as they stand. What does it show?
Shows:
11.58
